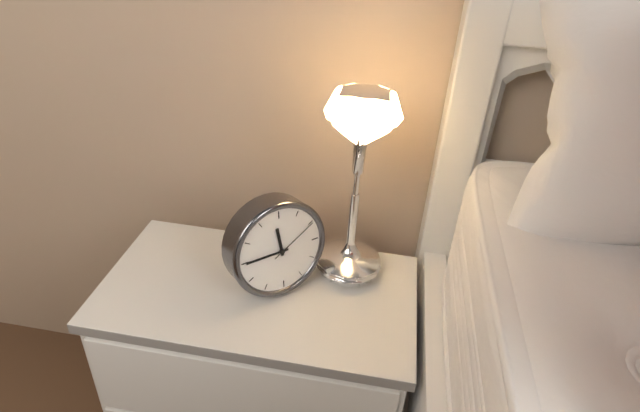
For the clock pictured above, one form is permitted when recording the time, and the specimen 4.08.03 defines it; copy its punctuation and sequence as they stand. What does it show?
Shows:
11.45.10
